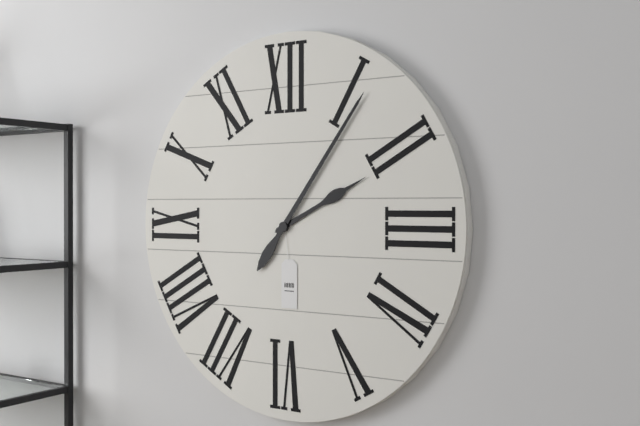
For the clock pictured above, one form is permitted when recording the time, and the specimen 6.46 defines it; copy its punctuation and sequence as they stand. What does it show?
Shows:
2.06
